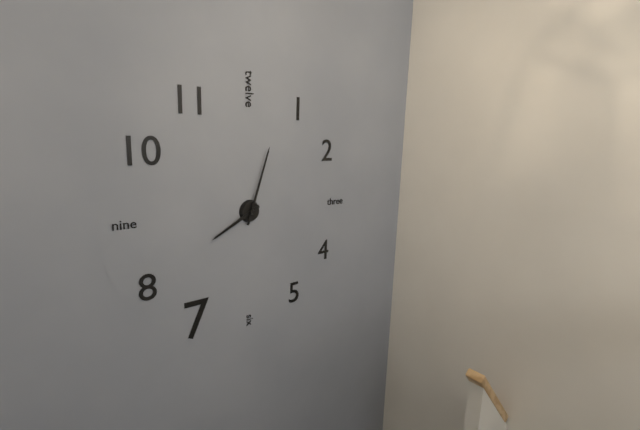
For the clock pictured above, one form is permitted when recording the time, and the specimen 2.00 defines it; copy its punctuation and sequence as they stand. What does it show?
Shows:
8.03
